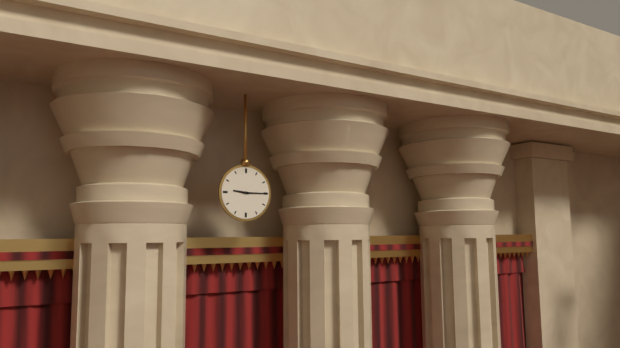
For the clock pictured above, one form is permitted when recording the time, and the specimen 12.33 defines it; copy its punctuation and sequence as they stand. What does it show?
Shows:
9.15
